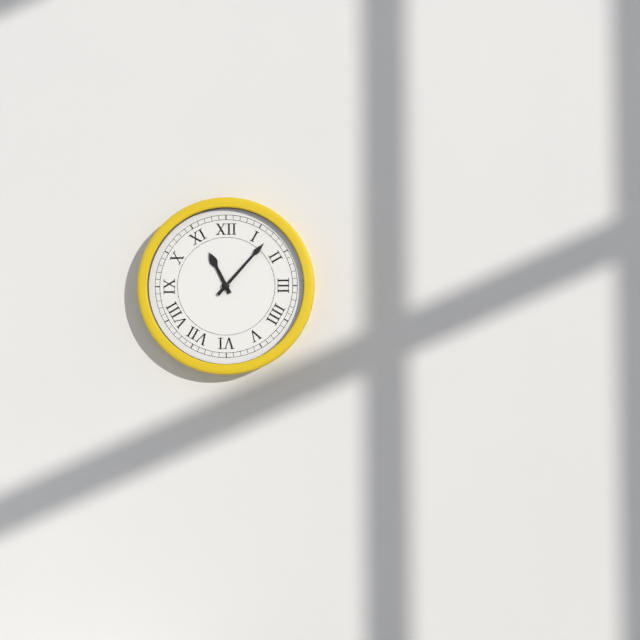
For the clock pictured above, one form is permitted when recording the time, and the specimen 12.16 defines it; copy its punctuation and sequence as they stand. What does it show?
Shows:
11.07
